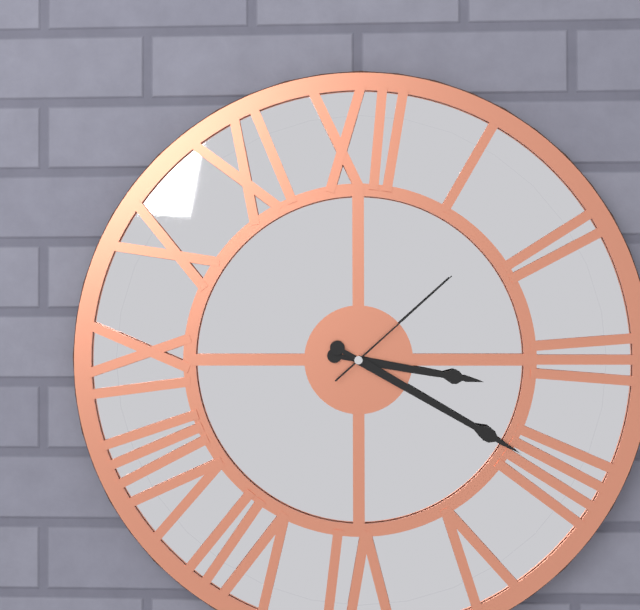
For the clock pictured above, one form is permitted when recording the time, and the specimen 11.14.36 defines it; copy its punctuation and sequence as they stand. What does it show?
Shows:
3.20.08
